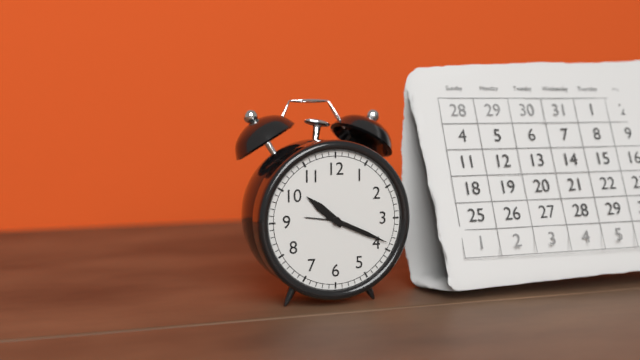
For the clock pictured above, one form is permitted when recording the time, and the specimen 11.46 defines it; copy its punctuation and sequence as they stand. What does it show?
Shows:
10.19
